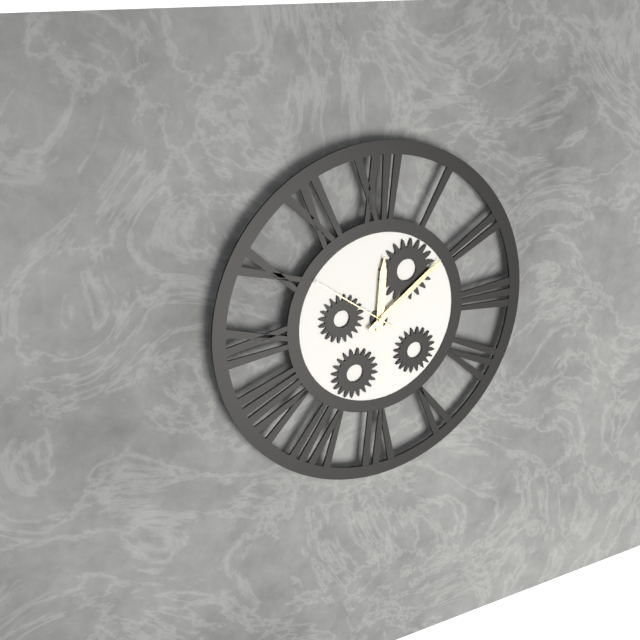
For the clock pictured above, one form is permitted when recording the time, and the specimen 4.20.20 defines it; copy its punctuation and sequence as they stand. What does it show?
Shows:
12.09.51
